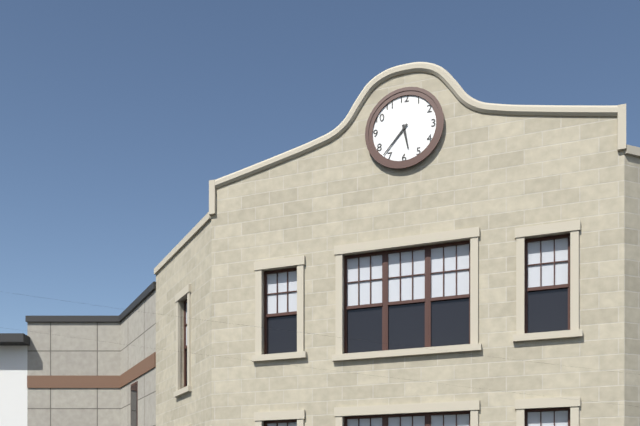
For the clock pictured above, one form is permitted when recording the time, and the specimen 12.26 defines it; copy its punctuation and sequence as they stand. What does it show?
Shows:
5.37
